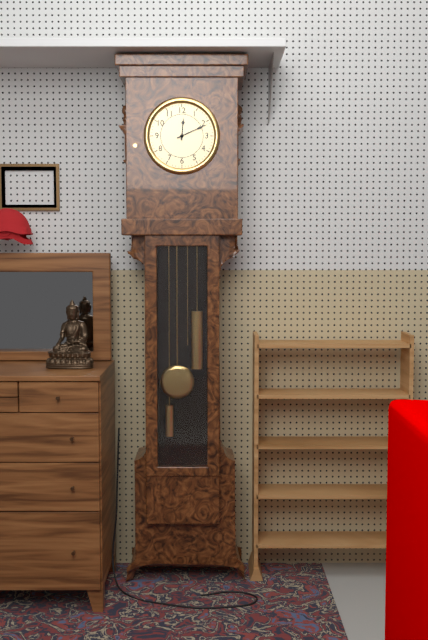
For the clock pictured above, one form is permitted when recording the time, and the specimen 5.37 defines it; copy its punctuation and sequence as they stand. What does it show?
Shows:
12.11
